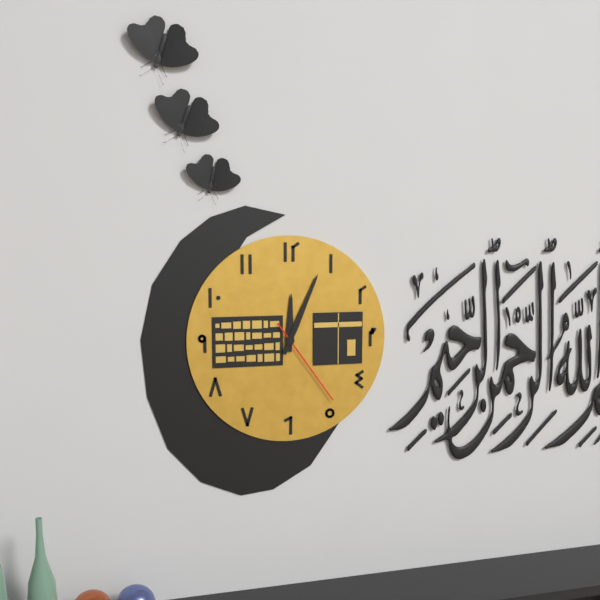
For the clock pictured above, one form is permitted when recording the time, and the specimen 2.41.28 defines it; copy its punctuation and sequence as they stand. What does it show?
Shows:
12.04.24
